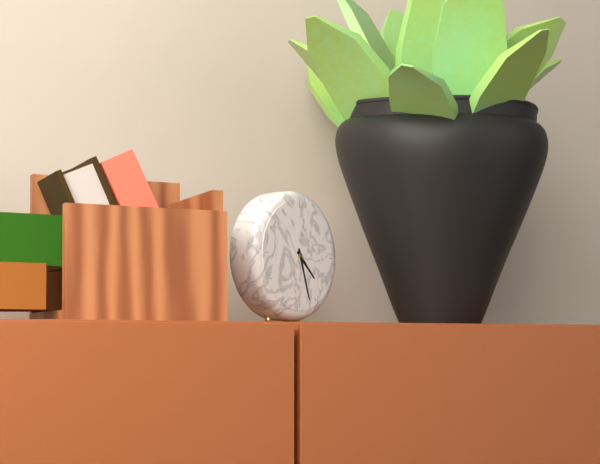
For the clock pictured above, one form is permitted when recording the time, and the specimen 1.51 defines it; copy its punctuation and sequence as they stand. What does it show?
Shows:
4.27
